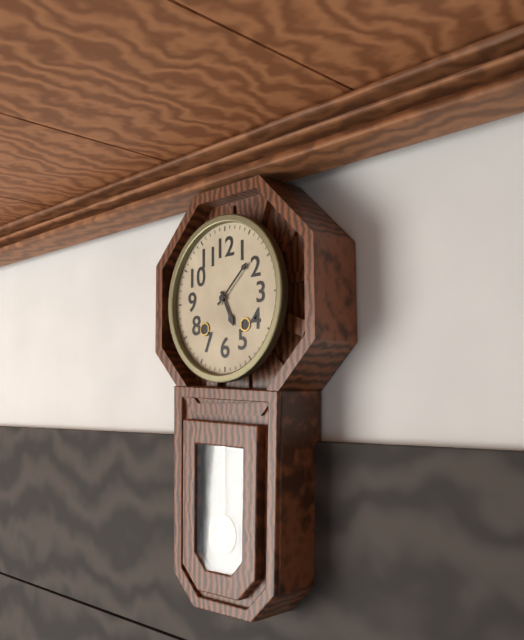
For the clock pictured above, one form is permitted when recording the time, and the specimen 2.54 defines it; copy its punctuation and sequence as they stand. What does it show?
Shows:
5.08
